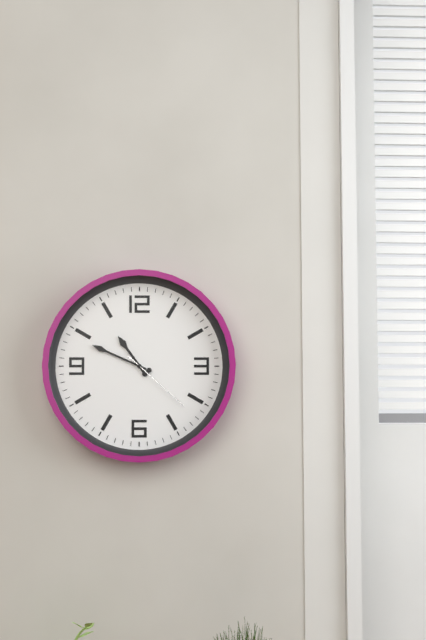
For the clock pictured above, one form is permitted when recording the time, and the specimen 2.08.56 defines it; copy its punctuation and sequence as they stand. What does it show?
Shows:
10.49.22
